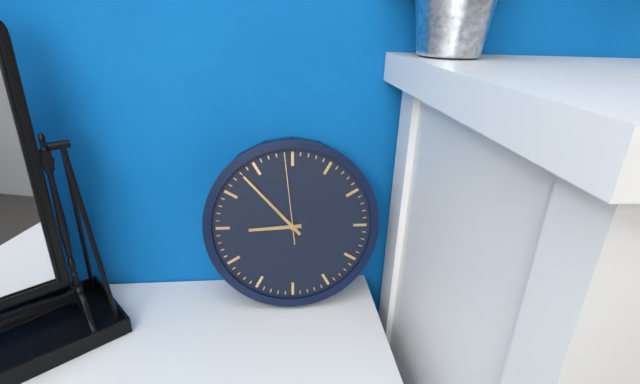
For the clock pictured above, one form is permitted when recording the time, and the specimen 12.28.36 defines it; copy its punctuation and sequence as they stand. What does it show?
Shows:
8.53.59
